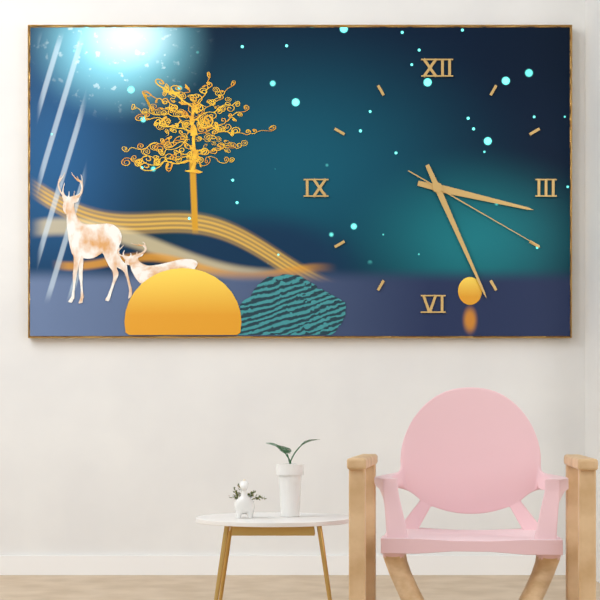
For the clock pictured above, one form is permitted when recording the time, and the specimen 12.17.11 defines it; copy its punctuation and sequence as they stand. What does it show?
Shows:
3.26.20
